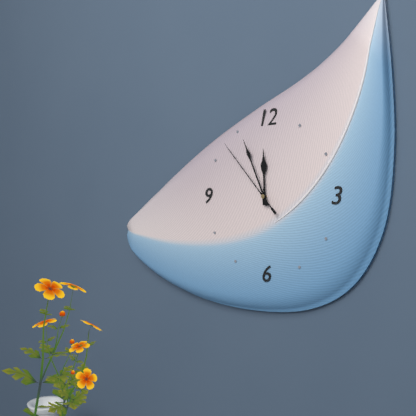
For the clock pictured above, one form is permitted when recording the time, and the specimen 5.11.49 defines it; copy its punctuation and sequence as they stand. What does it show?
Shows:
11.56.53
